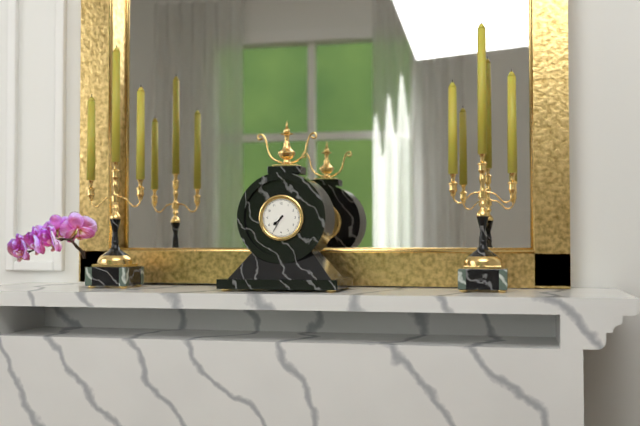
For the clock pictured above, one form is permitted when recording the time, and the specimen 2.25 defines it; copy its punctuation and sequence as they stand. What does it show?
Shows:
7.35
